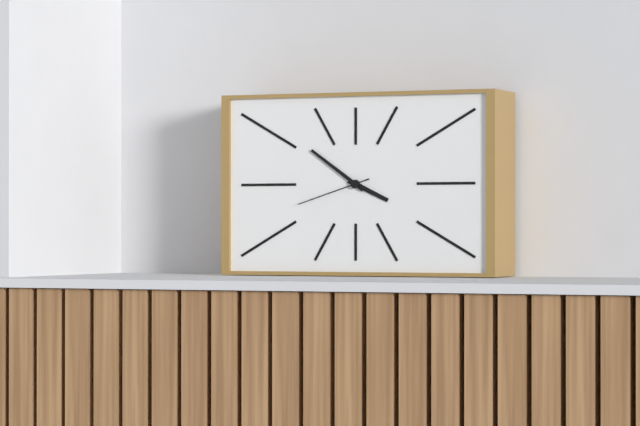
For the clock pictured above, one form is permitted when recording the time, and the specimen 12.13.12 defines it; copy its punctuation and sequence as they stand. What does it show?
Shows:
3.51.42
